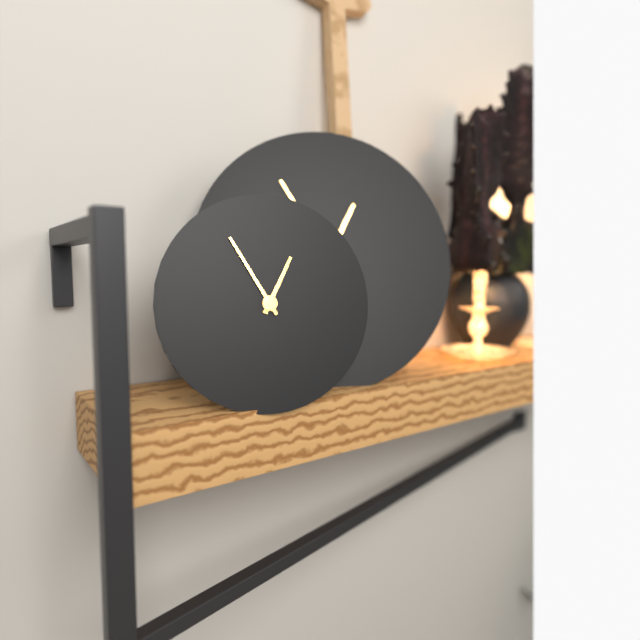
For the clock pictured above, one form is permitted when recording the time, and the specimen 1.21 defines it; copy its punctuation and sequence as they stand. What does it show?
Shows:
12.55
